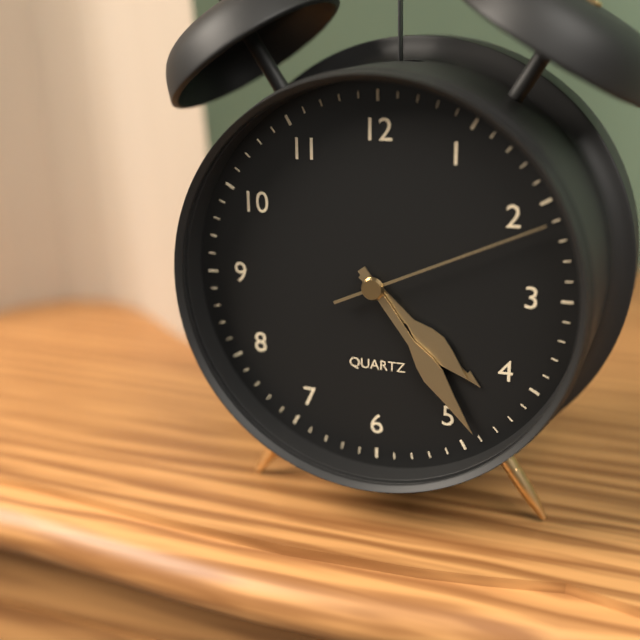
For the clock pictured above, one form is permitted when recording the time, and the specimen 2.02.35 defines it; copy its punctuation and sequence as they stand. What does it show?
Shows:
4.24.11
